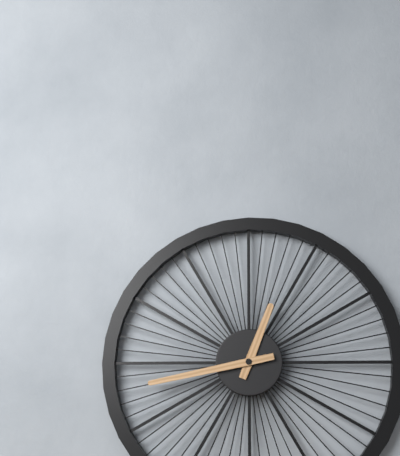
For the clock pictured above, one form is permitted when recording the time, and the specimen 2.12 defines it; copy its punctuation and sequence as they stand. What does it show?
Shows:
12.43
